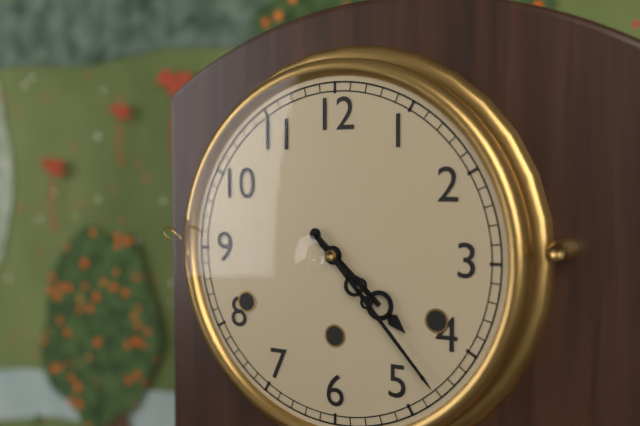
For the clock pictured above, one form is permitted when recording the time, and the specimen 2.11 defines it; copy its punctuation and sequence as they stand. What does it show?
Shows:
4.23
